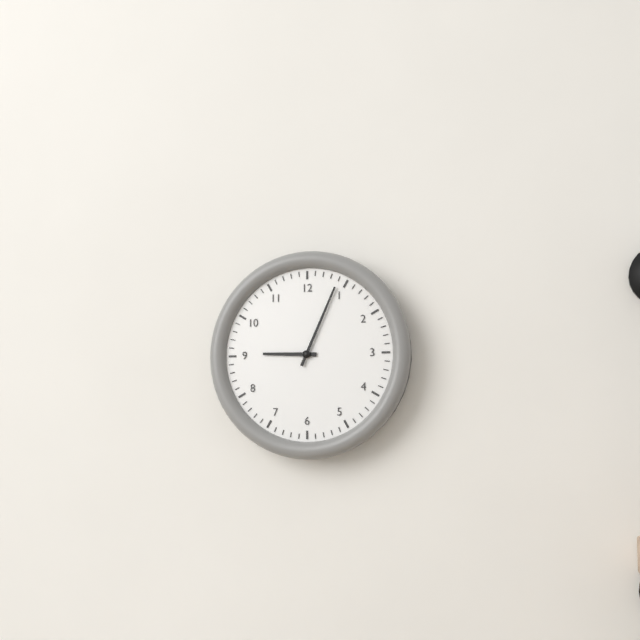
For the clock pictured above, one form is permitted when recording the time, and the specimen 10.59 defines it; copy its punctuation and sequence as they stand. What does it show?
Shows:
9.04
